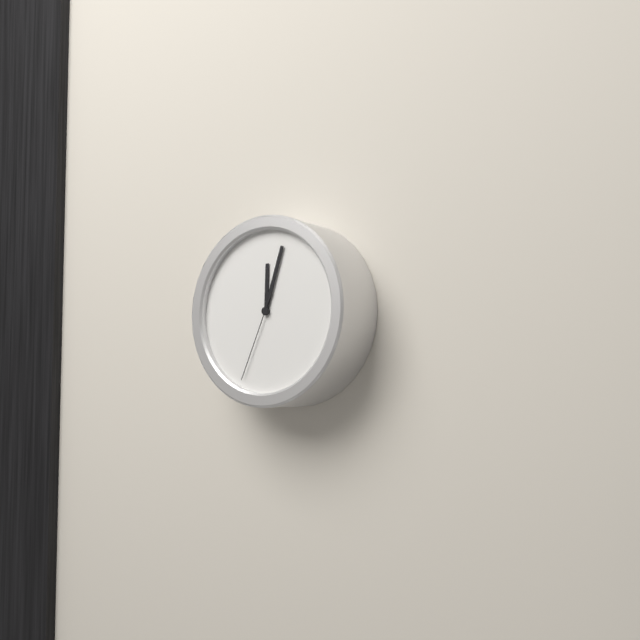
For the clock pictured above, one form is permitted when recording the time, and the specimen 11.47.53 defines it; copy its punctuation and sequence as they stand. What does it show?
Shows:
12.03.34
